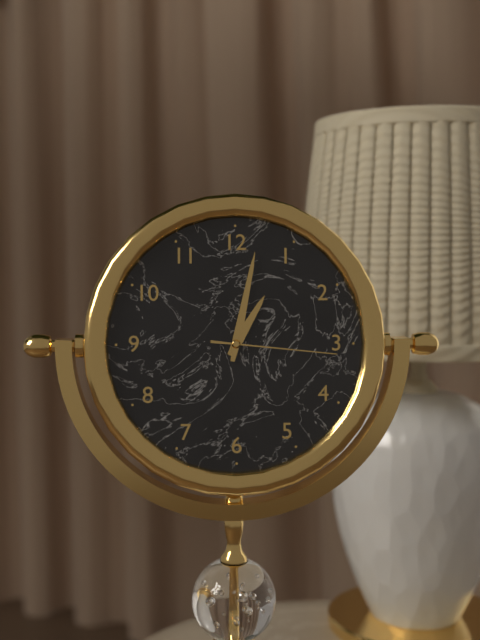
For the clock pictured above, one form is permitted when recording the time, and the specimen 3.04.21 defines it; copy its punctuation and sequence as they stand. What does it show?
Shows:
1.02.16
